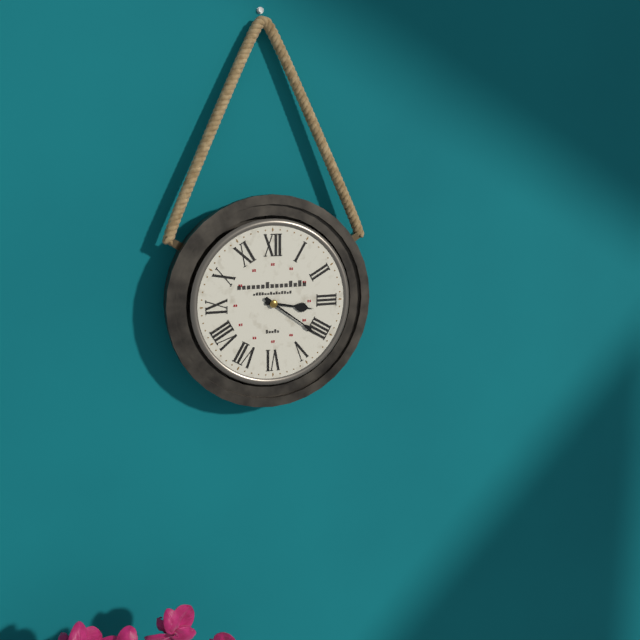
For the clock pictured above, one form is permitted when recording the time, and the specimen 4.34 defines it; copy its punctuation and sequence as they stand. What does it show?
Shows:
3.21
